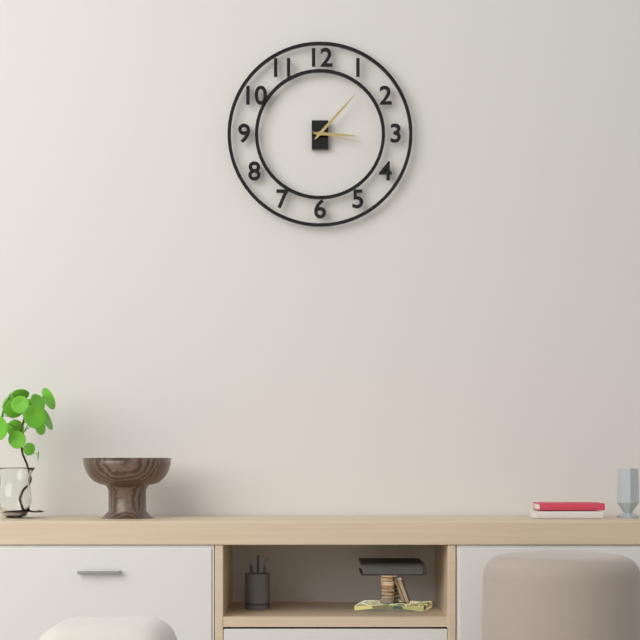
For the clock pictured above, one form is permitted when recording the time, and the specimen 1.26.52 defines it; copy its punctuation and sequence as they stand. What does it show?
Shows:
3.07.17
